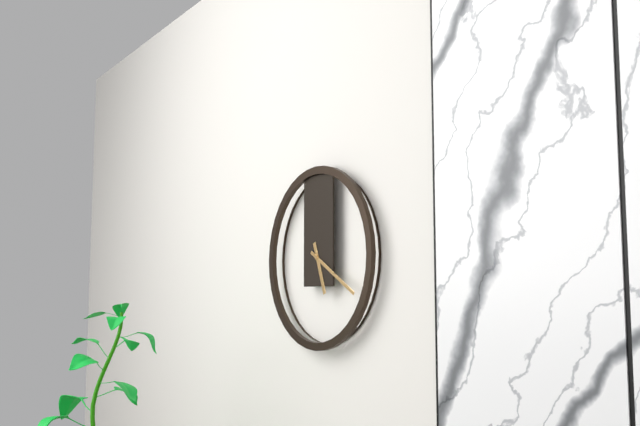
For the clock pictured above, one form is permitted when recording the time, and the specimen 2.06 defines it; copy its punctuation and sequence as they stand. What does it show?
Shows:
5.20
